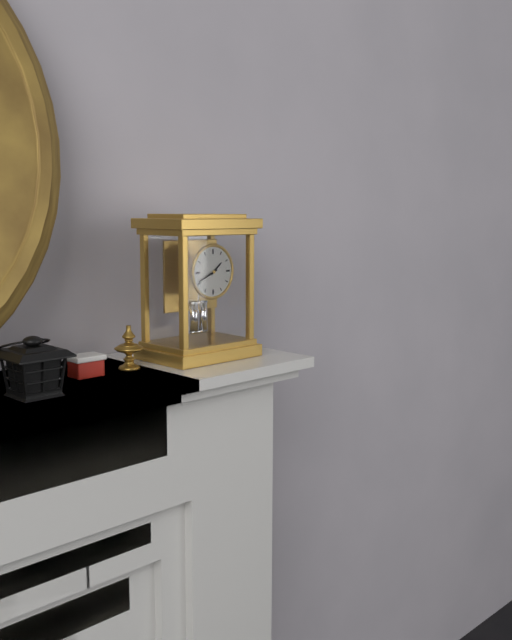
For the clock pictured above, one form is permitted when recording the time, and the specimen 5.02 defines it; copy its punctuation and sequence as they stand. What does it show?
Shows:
1.41
